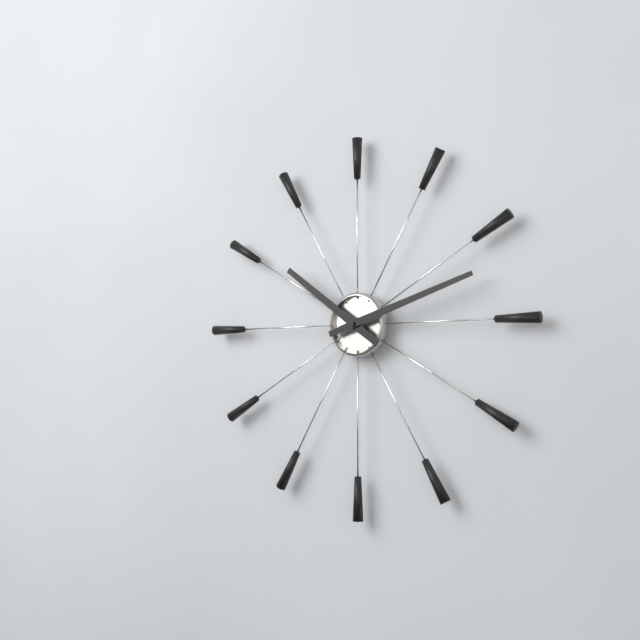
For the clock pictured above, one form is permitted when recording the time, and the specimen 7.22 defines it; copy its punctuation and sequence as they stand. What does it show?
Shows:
10.12
